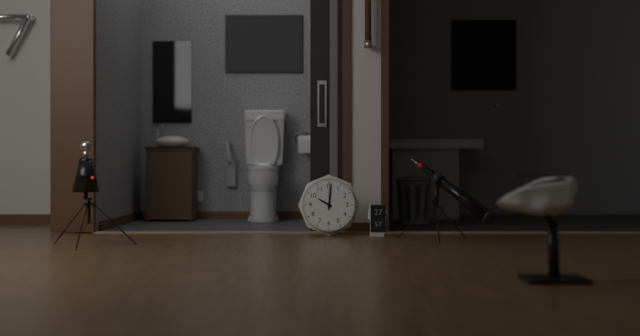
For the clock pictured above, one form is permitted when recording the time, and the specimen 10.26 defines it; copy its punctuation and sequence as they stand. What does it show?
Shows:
10.01
